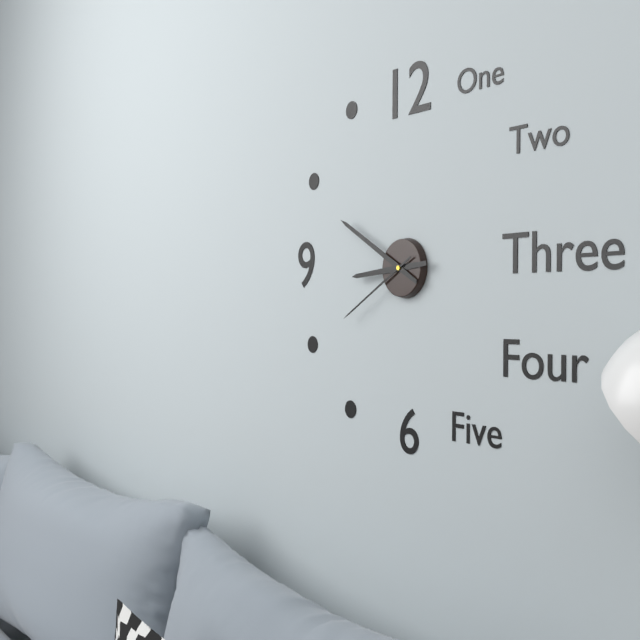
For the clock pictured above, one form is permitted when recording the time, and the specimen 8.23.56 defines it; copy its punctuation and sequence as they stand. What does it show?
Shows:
8.50.40
